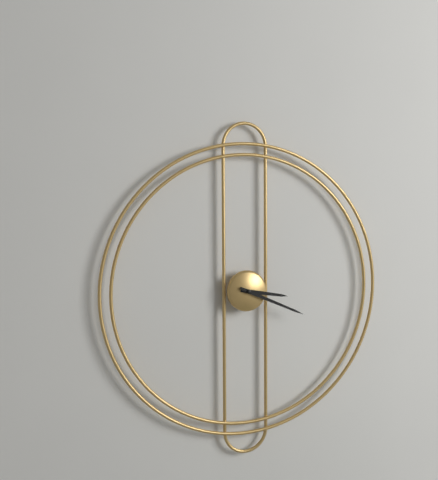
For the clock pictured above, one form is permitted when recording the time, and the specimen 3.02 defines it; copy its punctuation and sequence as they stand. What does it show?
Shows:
3.19
